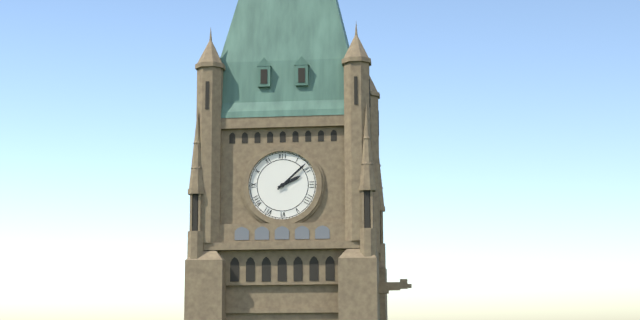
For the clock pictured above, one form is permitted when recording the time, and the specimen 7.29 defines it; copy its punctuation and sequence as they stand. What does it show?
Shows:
2.08
